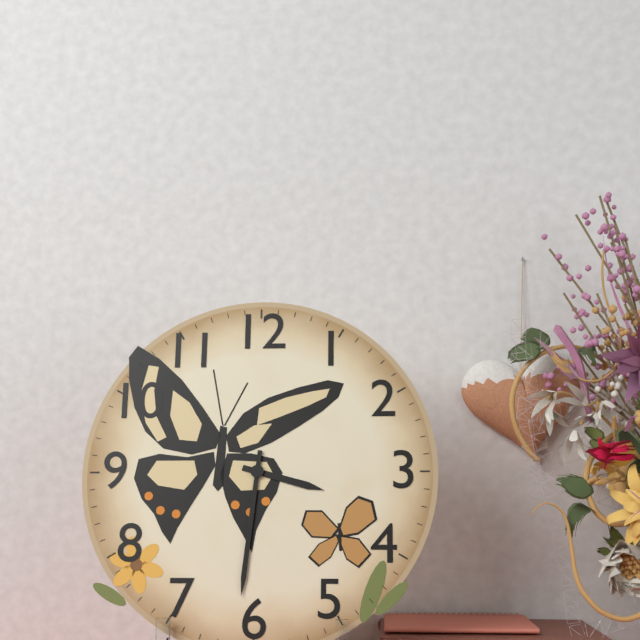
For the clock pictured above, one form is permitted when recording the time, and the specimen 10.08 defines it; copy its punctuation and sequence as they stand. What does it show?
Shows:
3.31
